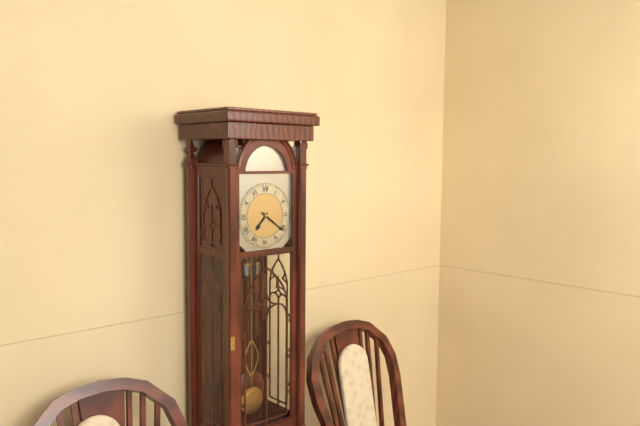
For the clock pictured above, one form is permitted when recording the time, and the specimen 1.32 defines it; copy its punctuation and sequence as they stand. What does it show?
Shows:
7.21
